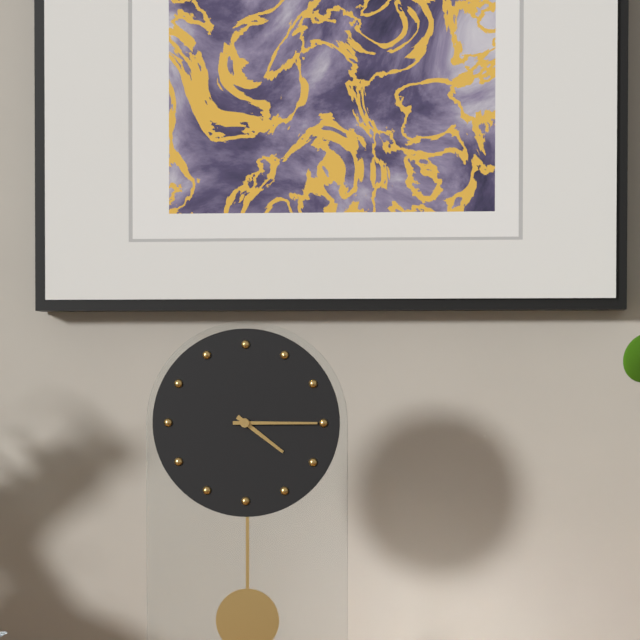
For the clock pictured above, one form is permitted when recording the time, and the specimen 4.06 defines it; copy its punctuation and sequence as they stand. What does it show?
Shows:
4.15
